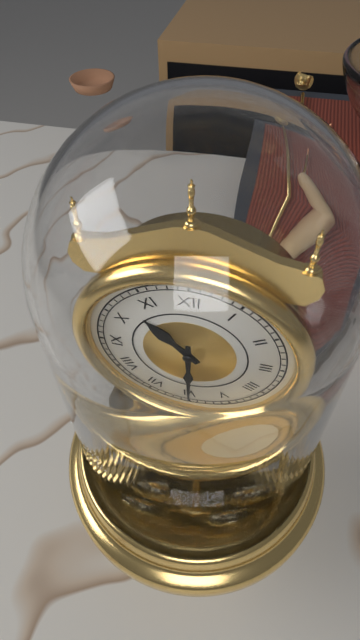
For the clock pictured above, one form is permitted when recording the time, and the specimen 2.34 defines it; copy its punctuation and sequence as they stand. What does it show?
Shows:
10.30
